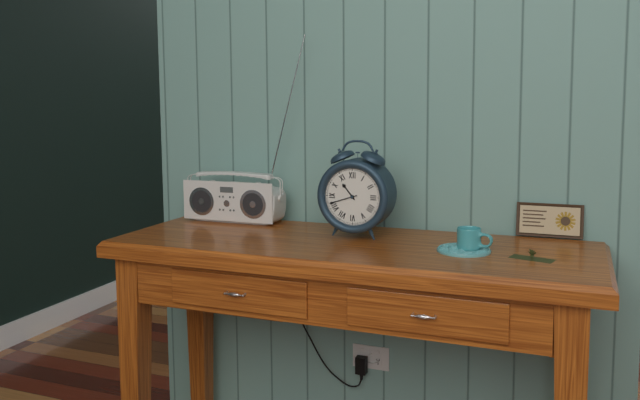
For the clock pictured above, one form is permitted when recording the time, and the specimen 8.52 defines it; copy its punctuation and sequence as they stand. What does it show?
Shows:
10.42
